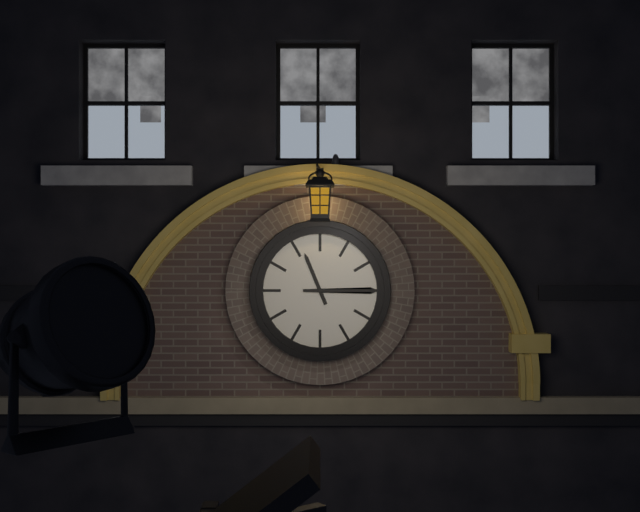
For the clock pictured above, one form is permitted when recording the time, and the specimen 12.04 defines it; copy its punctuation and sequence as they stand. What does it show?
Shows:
11.15
